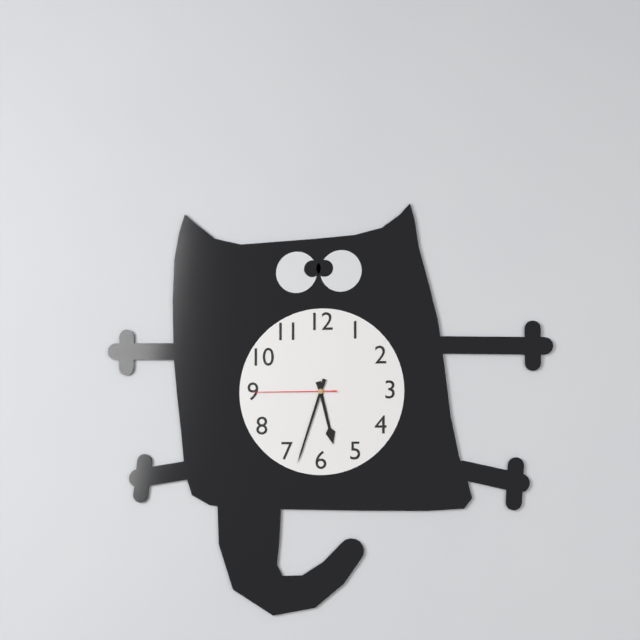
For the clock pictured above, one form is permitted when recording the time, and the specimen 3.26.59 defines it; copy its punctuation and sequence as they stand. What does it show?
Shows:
5.33.45
